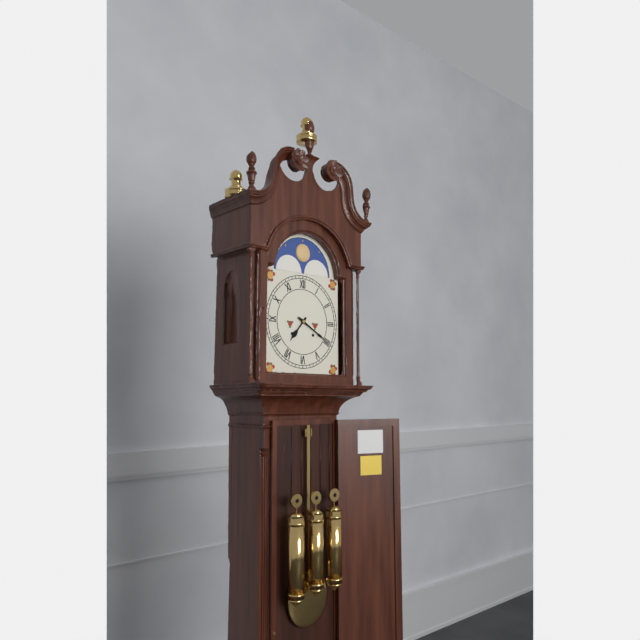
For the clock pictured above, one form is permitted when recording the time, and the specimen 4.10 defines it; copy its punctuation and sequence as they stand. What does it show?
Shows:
7.20
